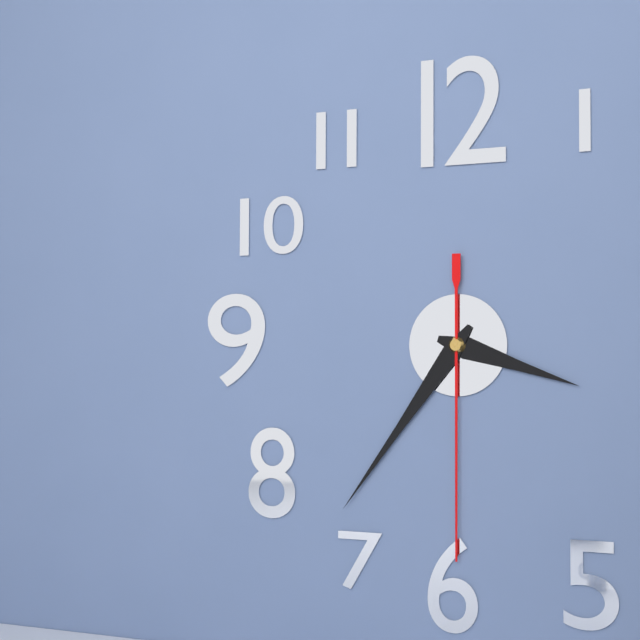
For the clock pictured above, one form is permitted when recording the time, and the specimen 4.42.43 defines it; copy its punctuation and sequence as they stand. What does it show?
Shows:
3.36.30
